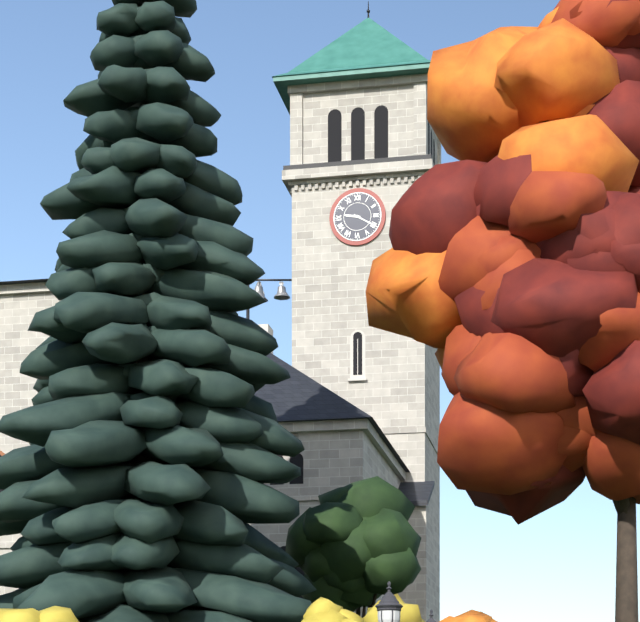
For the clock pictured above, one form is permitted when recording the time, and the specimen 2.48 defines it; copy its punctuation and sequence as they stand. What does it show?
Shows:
9.20
